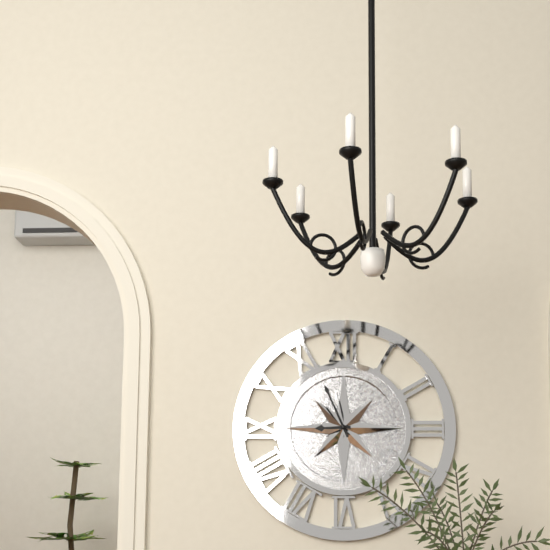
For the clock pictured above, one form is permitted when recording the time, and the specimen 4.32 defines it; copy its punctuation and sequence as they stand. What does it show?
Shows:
8.56
